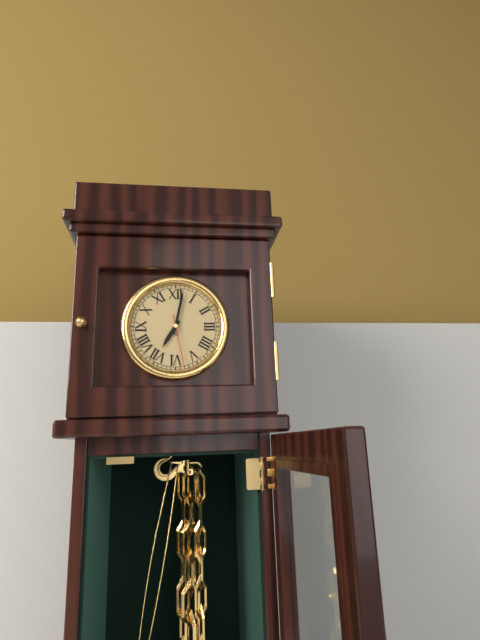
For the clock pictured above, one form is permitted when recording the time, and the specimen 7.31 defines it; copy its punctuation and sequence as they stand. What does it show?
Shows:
7.02
